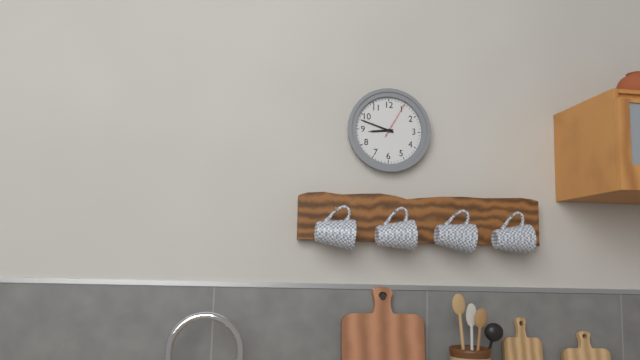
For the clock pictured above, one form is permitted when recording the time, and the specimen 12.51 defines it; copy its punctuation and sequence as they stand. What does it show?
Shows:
8.48
